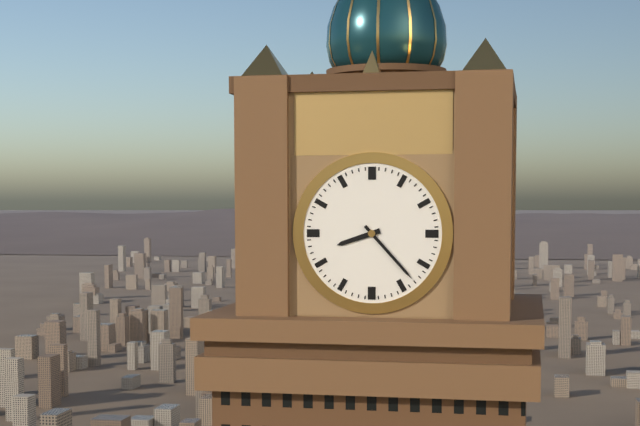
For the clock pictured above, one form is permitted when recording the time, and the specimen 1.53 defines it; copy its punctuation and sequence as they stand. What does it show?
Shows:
8.23
